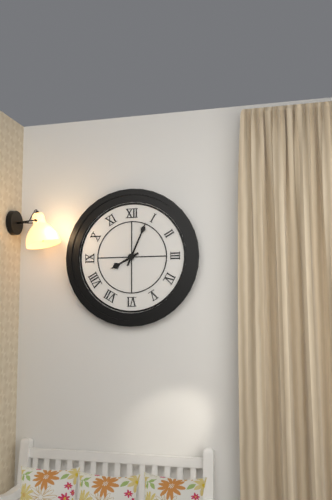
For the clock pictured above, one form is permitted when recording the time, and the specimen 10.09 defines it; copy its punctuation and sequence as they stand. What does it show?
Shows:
8.04
